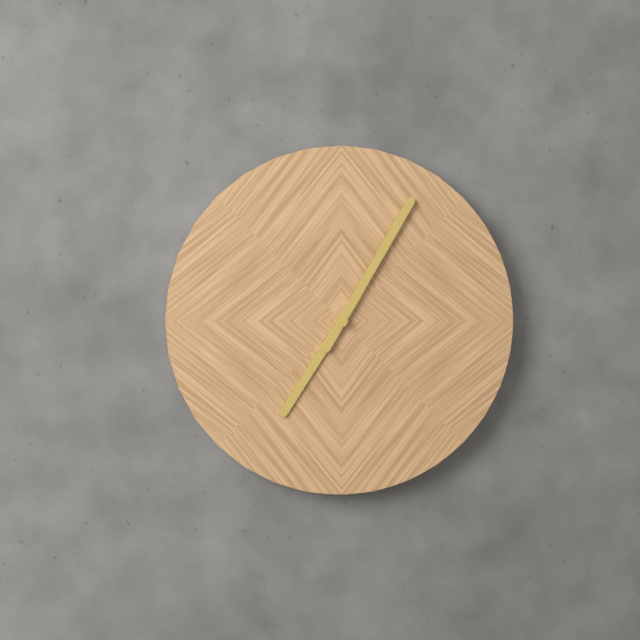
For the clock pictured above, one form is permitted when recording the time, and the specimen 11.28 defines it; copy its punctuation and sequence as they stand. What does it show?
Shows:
7.05
